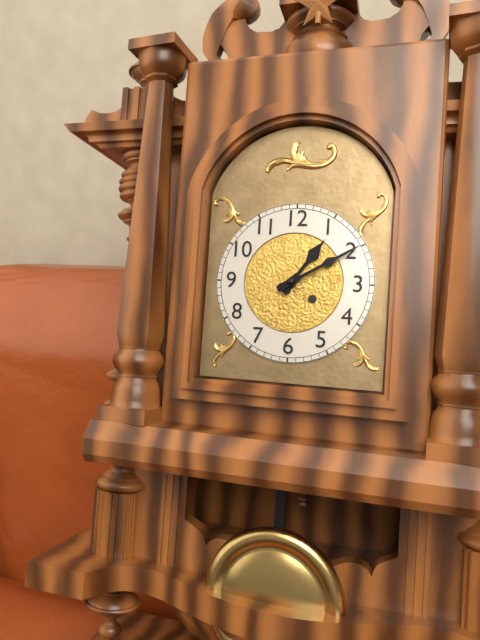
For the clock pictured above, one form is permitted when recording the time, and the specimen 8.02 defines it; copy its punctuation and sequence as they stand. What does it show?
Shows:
1.10
